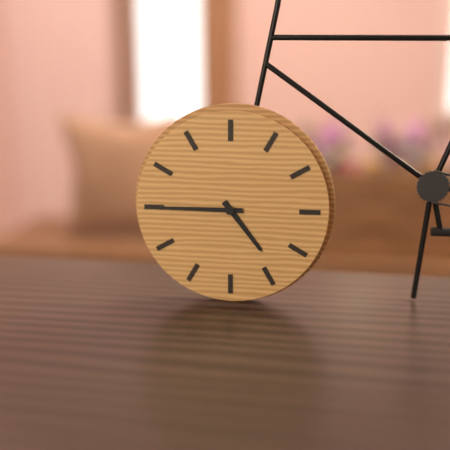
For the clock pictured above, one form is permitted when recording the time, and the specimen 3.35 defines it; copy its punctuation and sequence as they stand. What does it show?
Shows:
4.45
